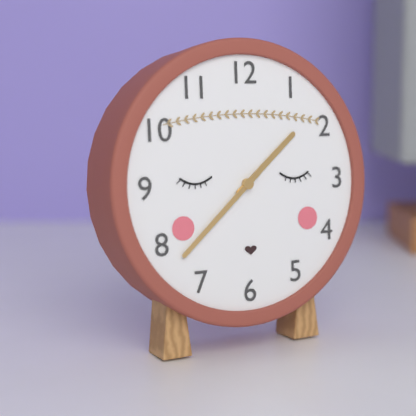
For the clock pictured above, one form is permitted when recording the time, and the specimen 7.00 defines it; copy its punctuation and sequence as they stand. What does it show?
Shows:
1.38
